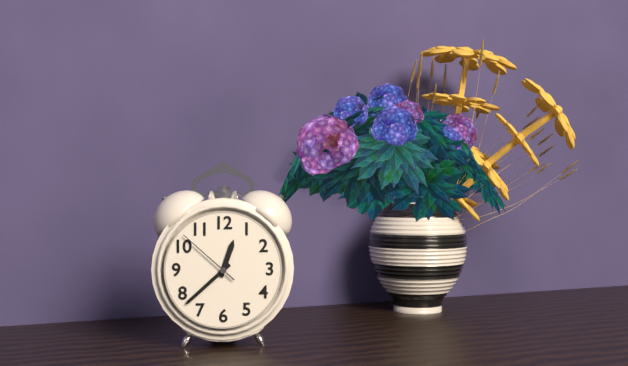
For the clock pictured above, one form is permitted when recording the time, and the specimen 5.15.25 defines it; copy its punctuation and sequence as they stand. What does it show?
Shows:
12.38.52
